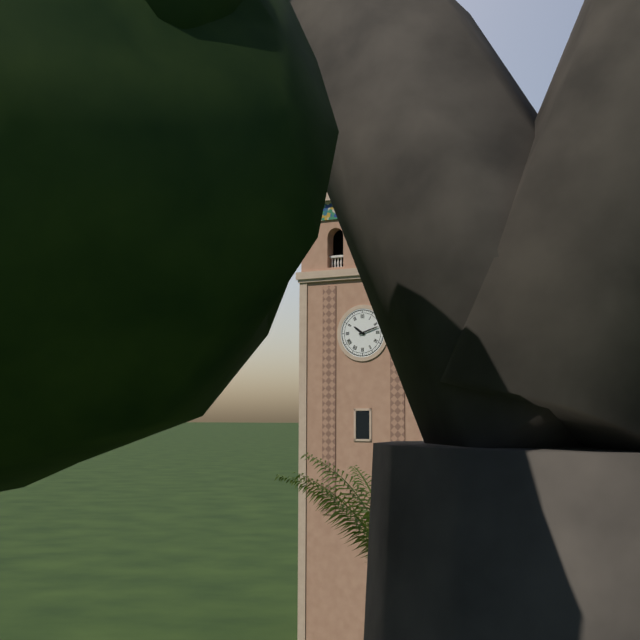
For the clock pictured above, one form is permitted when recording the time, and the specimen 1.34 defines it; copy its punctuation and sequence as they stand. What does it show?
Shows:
10.12
